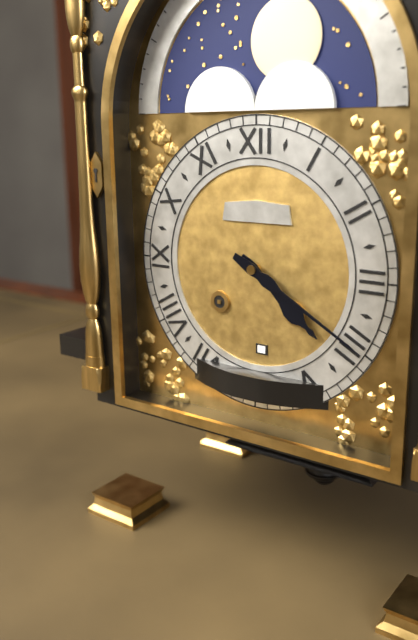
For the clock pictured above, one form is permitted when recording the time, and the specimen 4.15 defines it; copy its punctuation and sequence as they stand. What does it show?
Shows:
4.20
